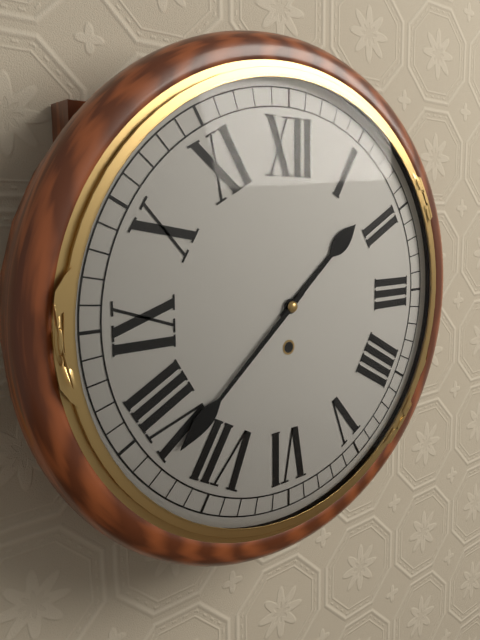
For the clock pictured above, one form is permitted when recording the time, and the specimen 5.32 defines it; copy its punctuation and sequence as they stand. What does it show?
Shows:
1.38
